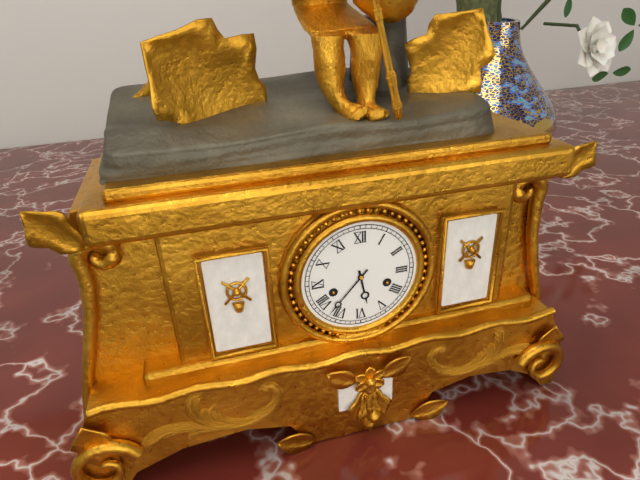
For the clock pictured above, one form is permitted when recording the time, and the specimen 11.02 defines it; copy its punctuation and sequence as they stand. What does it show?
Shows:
5.37
